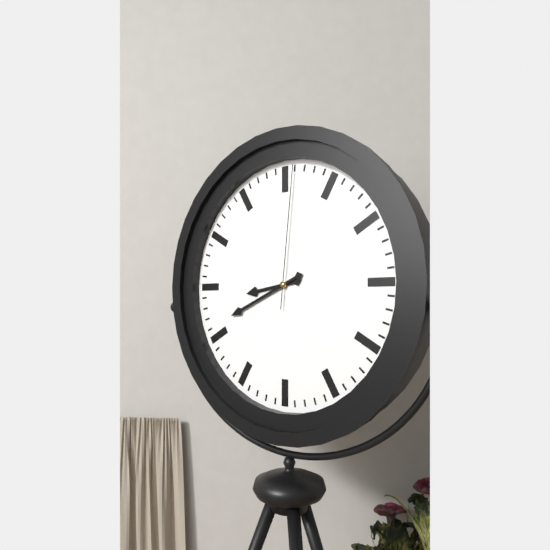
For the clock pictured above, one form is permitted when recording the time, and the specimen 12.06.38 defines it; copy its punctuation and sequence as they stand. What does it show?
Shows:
8.41.01
